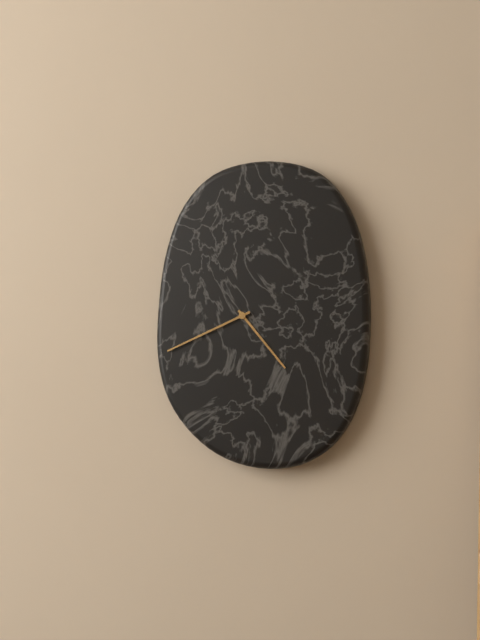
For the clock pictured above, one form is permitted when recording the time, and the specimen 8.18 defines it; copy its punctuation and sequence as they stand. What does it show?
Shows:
4.41
